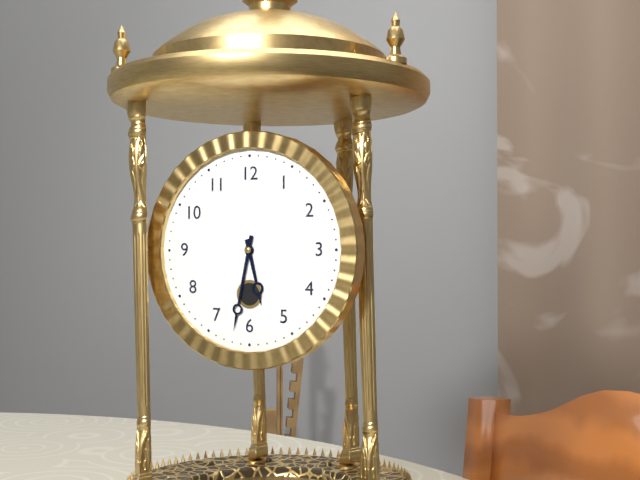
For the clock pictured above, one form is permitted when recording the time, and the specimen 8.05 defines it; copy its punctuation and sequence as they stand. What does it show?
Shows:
5.32
